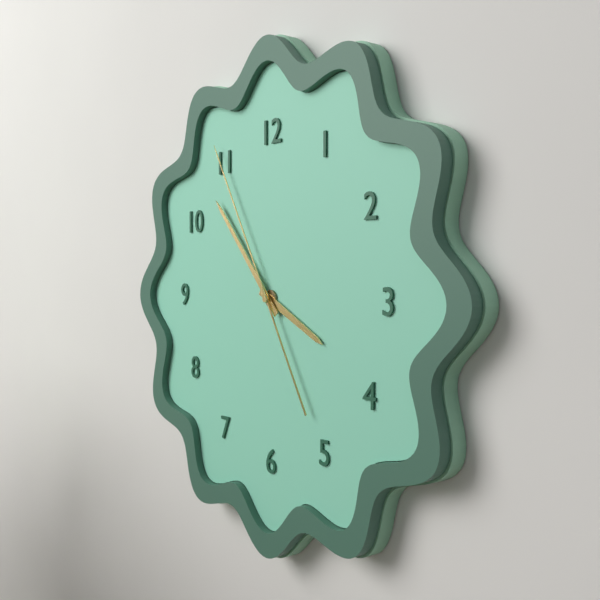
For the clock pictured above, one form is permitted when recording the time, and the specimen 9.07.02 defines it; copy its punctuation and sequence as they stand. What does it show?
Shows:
3.53.55
